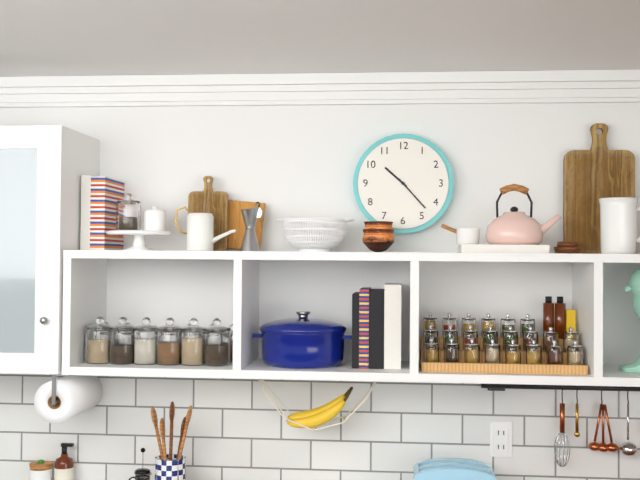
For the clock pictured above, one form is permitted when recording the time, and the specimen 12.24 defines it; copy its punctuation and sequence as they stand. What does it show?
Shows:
10.23
